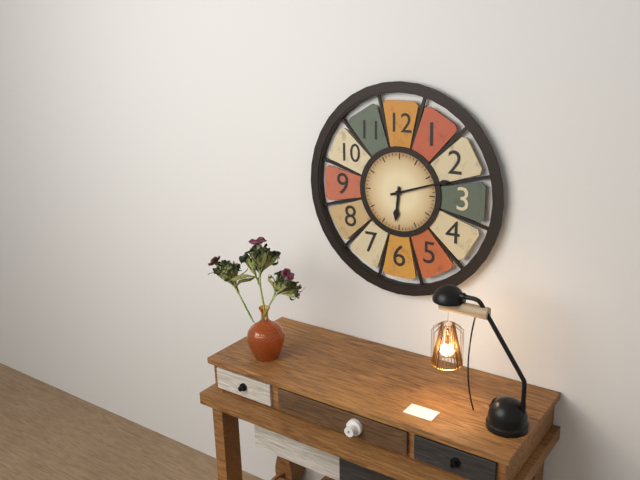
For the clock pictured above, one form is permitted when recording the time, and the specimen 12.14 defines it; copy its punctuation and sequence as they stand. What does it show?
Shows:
6.12
